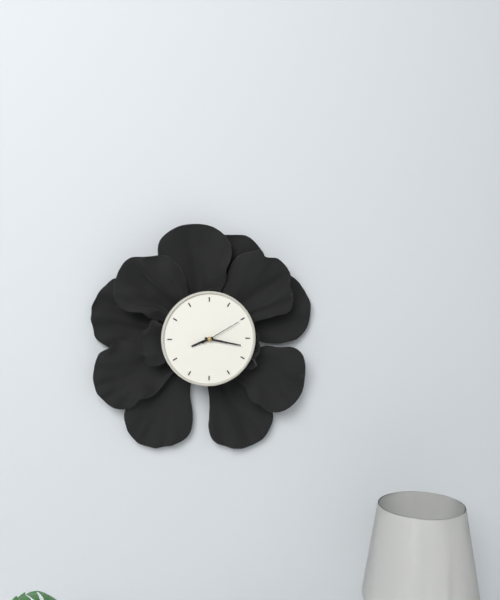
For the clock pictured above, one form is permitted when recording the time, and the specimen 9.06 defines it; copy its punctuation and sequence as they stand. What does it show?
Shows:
8.17
